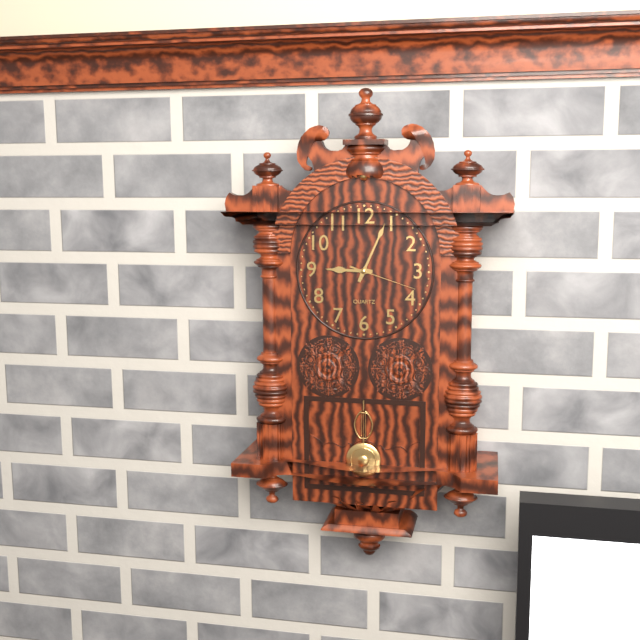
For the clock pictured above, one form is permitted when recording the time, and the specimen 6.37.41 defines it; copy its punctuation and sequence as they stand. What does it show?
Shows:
9.04.18
